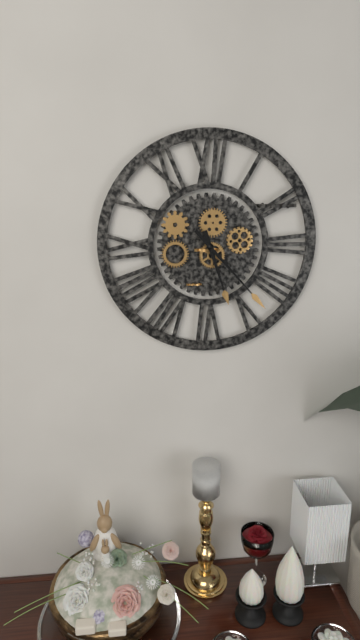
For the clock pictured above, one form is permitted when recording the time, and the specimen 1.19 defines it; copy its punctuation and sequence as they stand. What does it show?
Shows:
5.23
